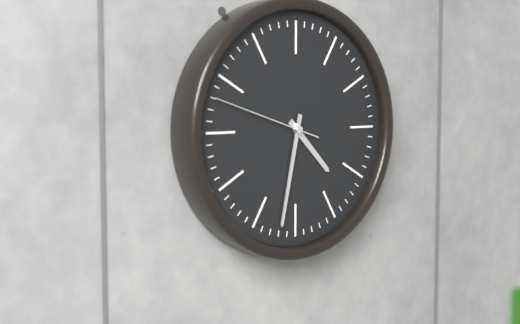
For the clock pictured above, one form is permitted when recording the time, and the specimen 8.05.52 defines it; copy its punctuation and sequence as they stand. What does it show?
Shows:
4.32.48
